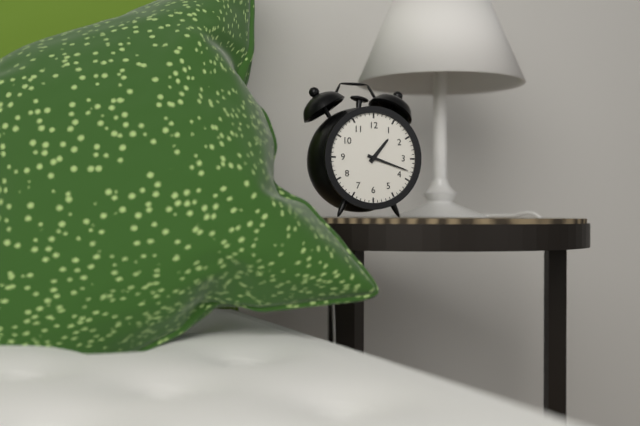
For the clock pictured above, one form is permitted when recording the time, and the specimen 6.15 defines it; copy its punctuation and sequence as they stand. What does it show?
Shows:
1.18
